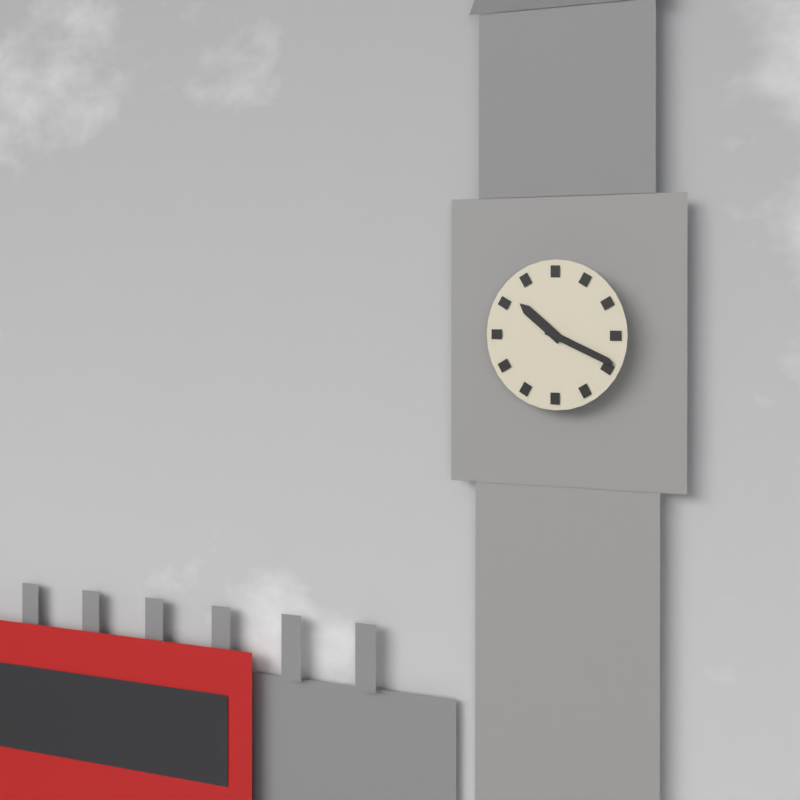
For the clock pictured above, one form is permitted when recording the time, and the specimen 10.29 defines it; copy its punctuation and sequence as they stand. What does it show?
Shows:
10.19
